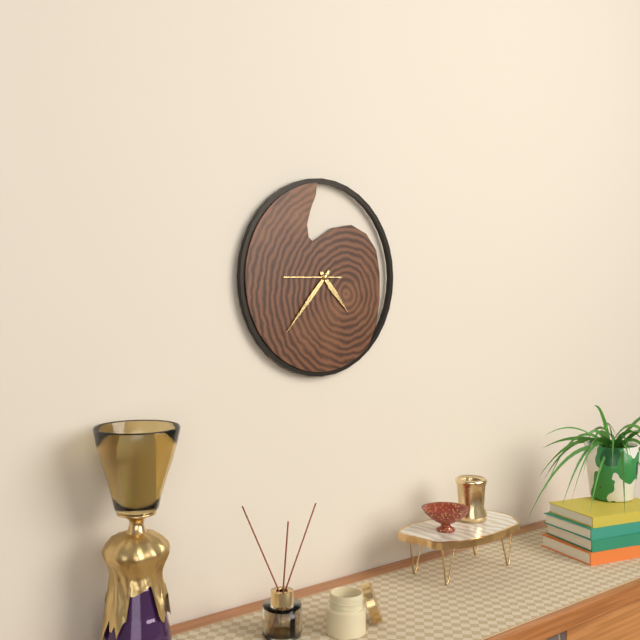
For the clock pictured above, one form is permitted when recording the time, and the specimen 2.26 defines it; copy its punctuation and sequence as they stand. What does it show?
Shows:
4.37
